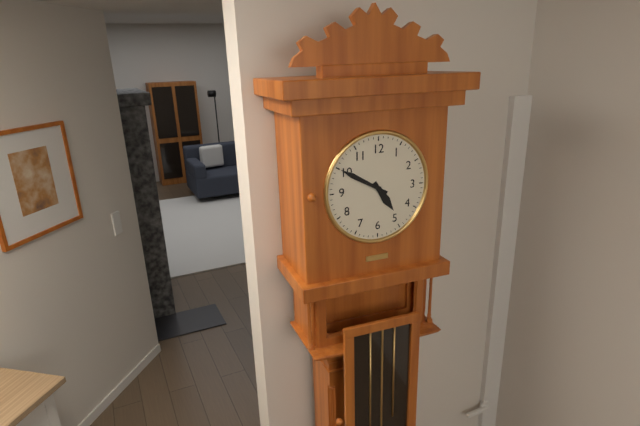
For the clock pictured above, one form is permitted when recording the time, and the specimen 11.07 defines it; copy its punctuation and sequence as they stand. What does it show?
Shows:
4.50
